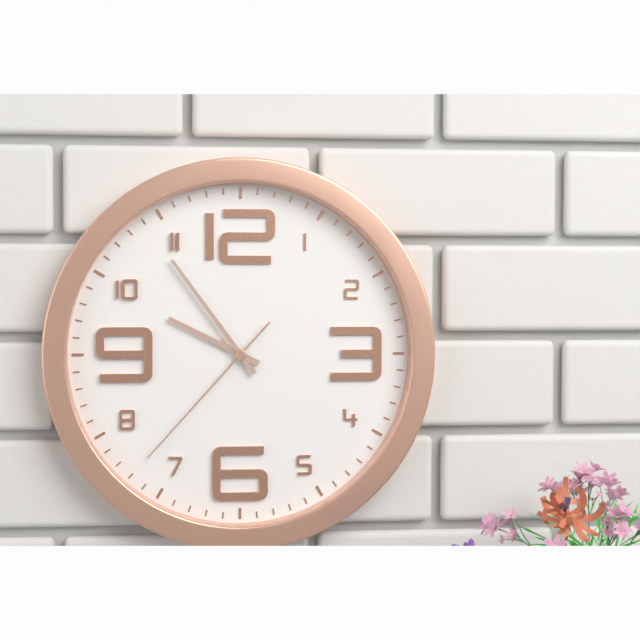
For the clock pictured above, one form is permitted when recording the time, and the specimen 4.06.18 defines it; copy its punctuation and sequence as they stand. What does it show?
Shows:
9.54.37
